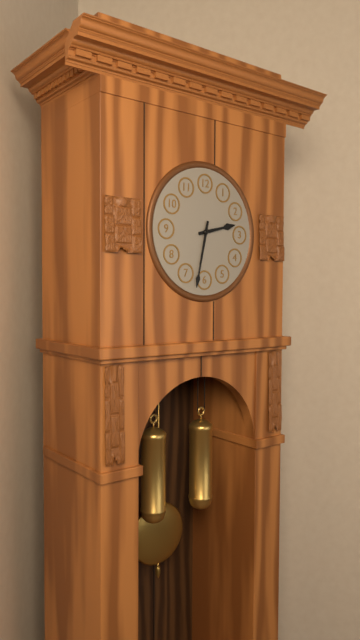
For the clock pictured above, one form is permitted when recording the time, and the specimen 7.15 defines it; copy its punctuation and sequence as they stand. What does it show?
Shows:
2.32
